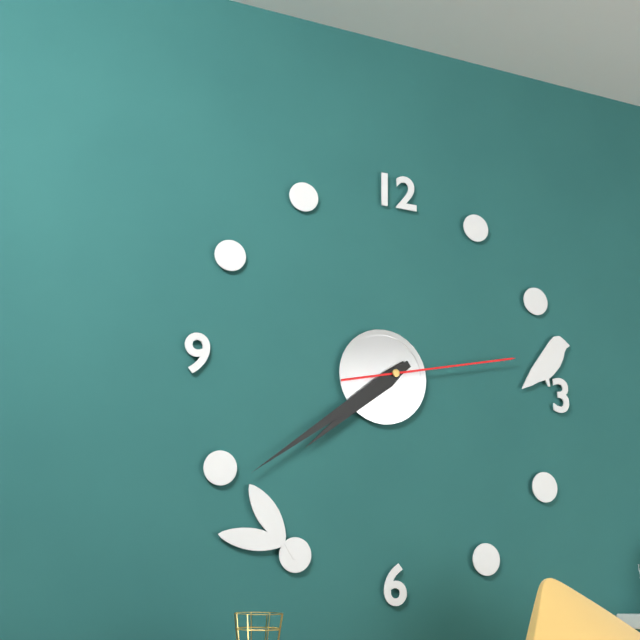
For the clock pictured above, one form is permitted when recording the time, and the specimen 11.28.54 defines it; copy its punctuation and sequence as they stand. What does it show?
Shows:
7.39.13
